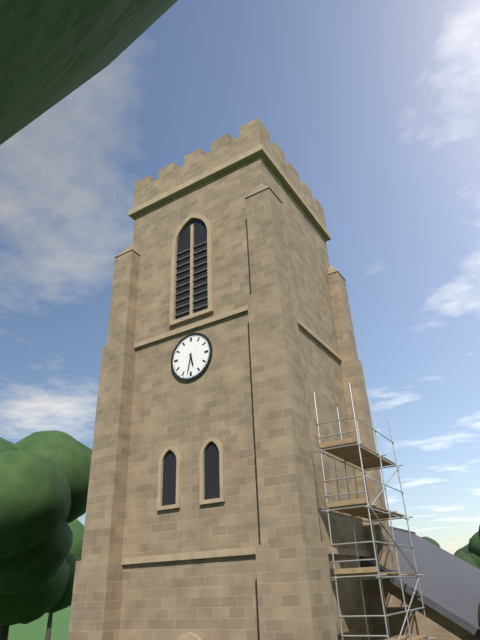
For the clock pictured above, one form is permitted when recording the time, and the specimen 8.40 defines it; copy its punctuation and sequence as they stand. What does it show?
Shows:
5.32
